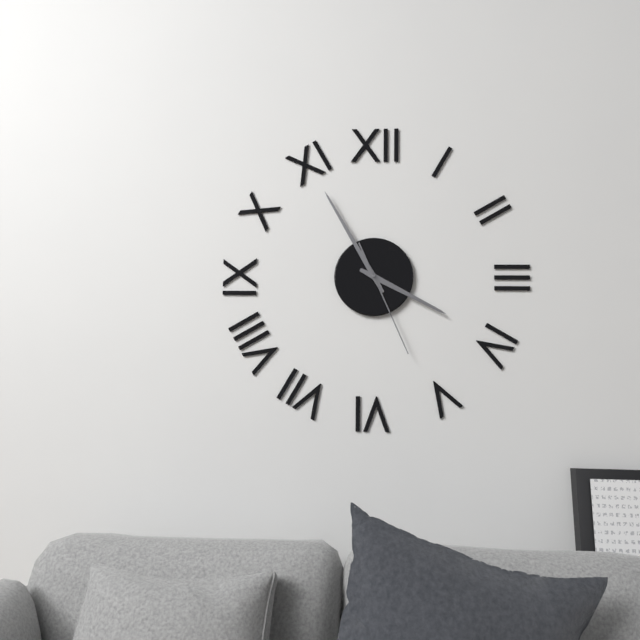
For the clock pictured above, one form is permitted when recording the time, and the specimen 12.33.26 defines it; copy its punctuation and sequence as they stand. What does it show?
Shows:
3.55.26
